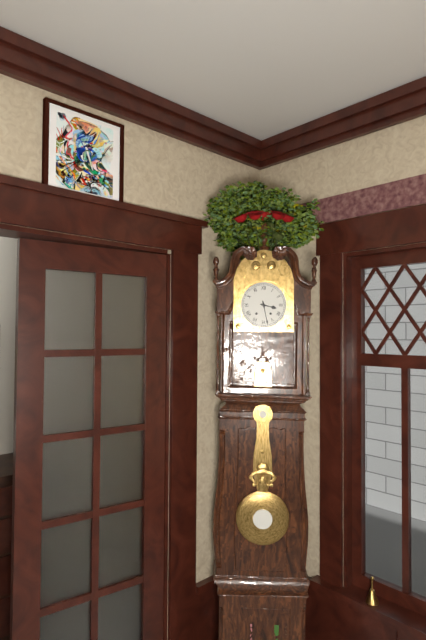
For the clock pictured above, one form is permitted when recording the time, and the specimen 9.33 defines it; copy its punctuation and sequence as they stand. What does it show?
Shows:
3.28
